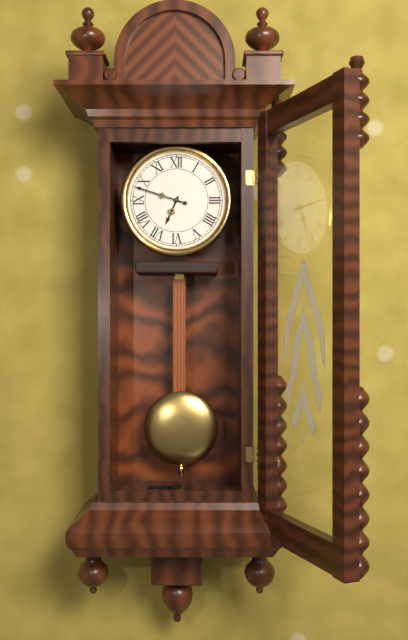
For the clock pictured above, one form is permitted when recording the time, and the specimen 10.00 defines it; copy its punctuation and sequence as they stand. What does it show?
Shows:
6.48
